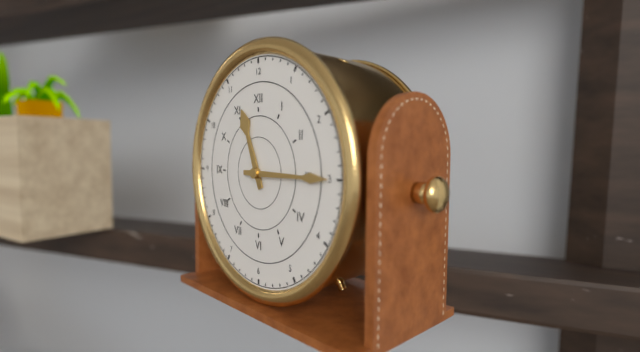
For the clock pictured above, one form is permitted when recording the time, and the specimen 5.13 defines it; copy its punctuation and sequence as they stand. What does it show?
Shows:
11.15
